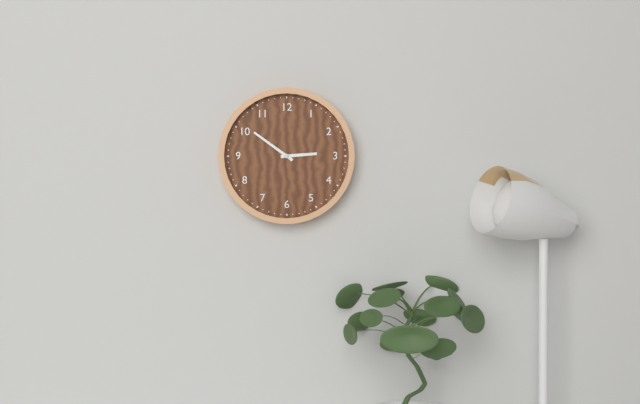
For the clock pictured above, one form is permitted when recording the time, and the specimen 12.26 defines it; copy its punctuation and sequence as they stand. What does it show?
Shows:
2.51
